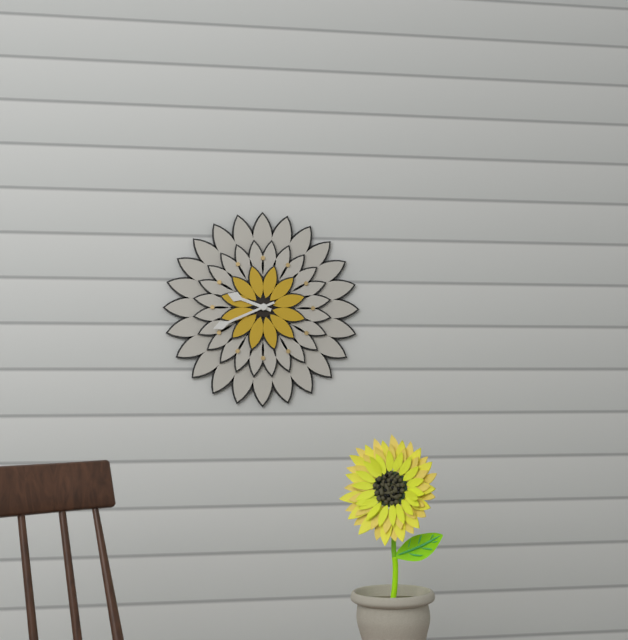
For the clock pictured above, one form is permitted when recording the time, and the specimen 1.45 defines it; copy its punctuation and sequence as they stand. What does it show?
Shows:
9.41
